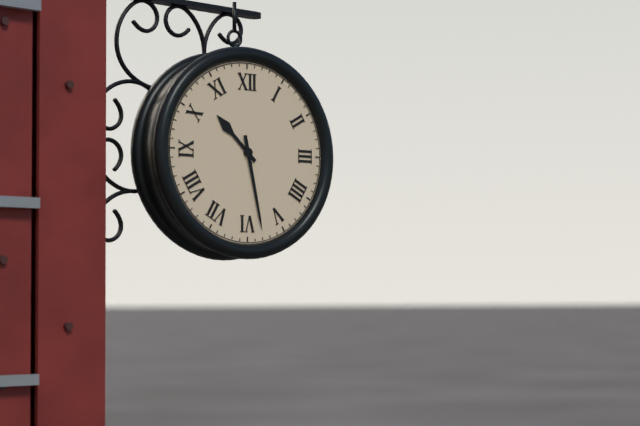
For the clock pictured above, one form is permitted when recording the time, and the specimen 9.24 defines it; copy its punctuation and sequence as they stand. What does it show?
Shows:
10.28
